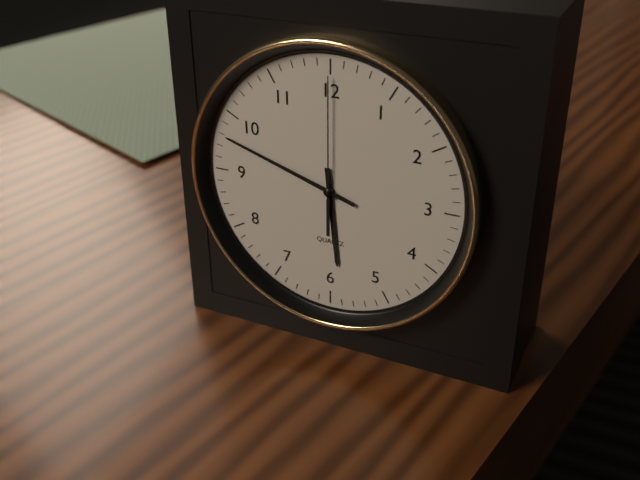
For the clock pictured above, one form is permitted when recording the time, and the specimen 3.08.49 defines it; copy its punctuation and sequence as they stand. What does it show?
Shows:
5.48.00
